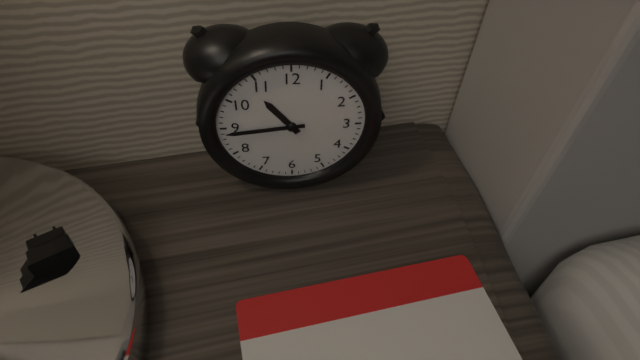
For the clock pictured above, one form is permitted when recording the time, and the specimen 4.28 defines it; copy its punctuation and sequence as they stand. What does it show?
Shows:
10.44
